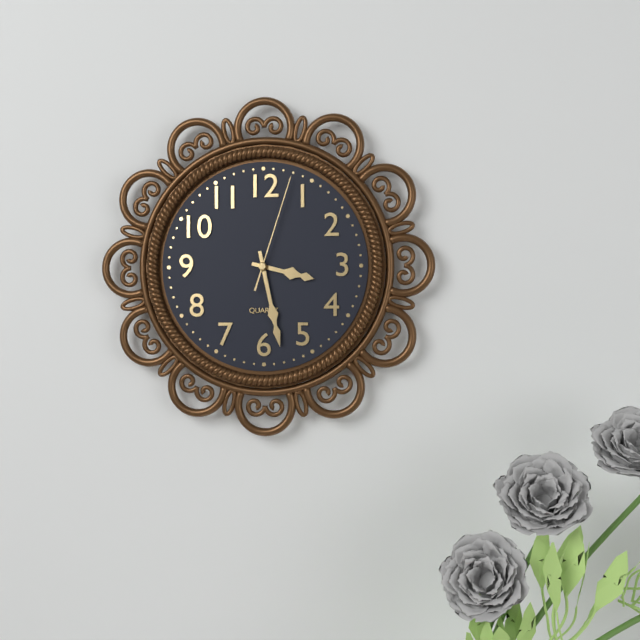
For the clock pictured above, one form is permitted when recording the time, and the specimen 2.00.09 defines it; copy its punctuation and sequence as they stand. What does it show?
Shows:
3.28.03
